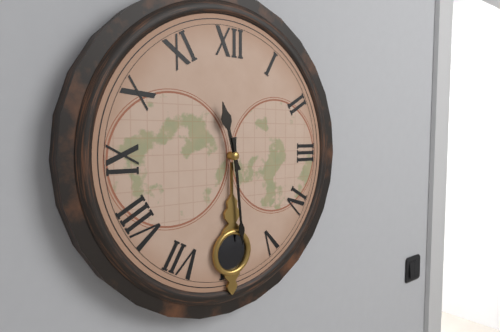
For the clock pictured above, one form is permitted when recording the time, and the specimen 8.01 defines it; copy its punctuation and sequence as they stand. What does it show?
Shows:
11.29
